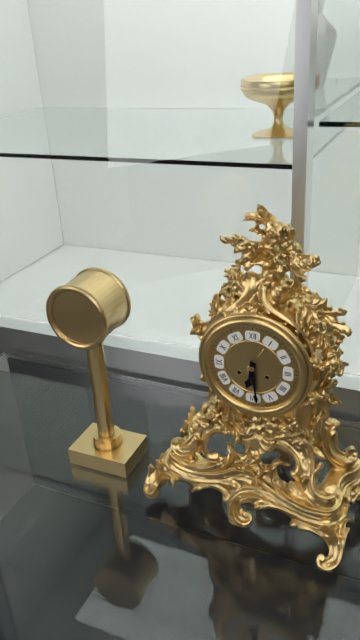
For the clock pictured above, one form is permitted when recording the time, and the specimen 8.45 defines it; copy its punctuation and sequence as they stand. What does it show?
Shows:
6.29
